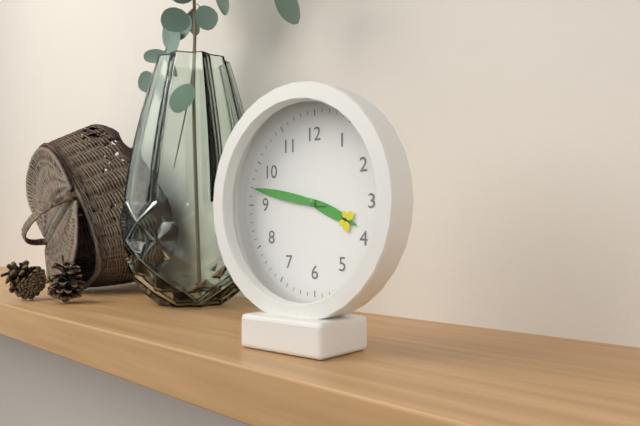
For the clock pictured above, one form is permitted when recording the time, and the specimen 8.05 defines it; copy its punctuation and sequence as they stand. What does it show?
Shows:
3.47
